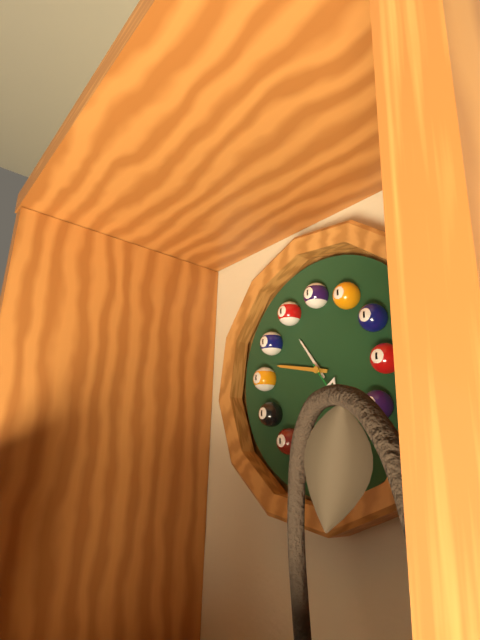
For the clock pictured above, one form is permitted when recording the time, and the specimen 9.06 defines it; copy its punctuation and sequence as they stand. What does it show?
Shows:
10.47
